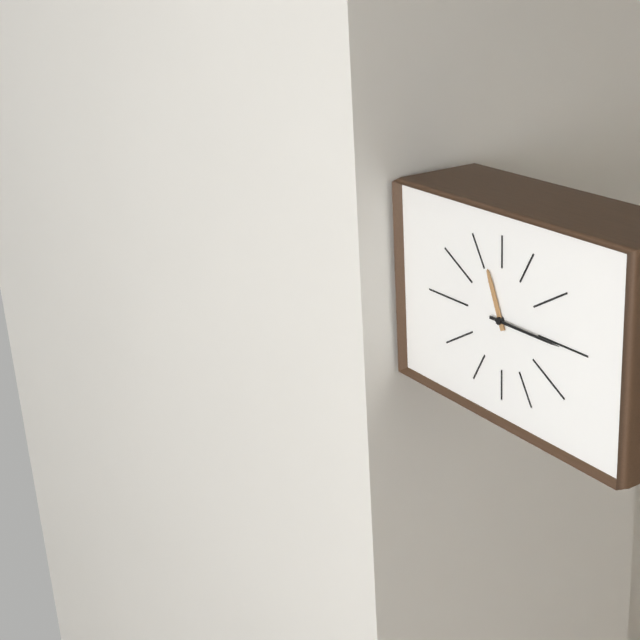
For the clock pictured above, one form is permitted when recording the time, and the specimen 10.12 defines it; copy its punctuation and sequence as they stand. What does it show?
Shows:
11.15
